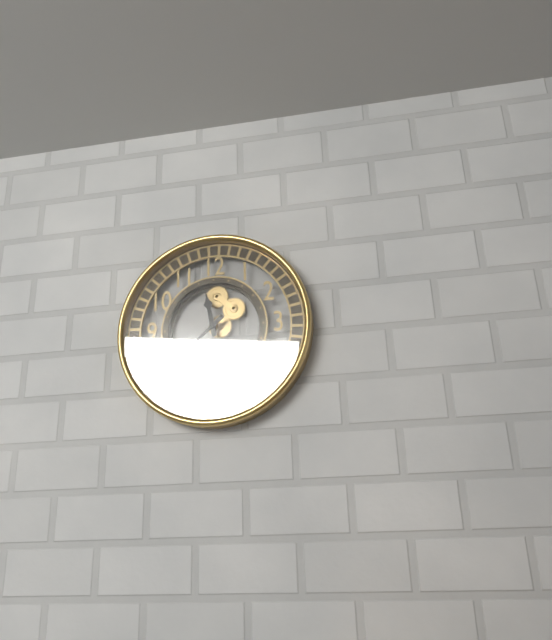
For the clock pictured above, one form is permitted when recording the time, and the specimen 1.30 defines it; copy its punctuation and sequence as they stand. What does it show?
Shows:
11.38
